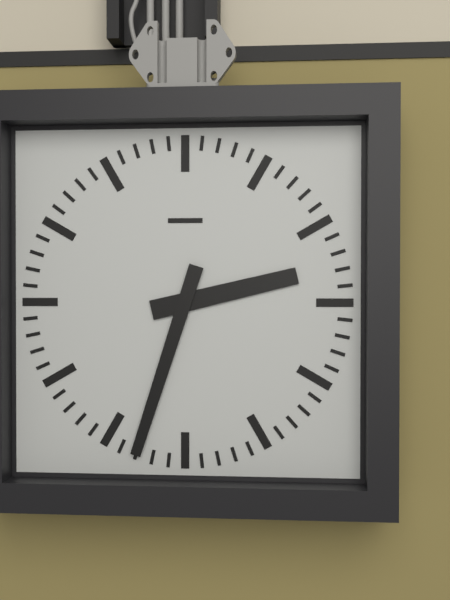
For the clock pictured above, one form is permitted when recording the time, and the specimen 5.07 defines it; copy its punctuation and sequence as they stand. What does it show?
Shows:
2.33
